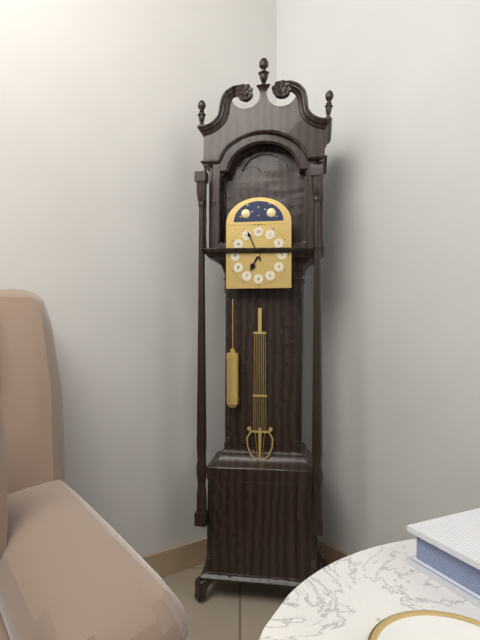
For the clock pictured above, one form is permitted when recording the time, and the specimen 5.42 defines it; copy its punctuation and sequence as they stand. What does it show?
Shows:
6.56
